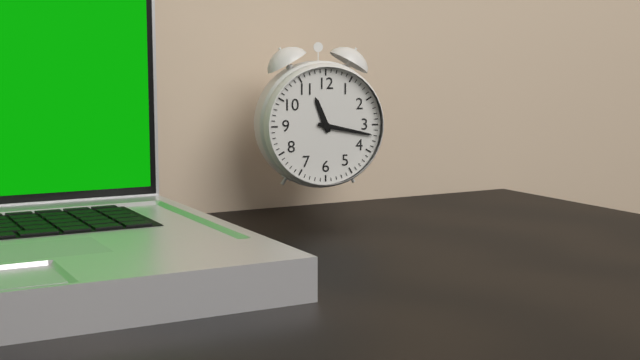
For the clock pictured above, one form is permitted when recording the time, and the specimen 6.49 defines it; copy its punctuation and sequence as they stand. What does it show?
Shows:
11.17
